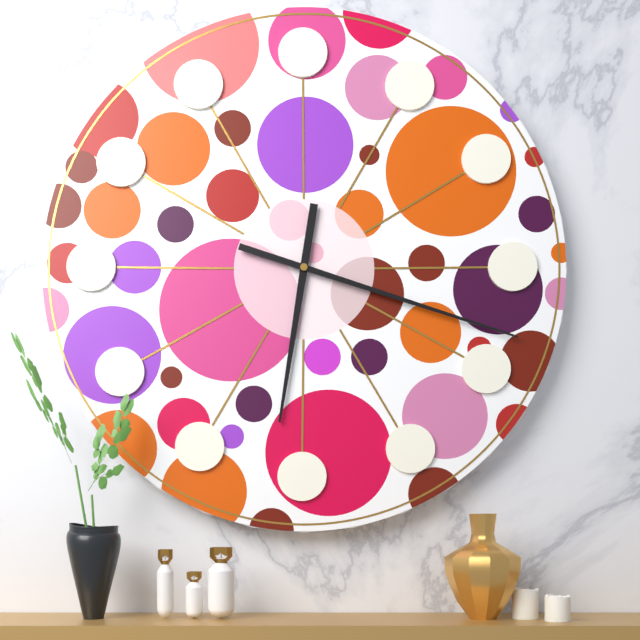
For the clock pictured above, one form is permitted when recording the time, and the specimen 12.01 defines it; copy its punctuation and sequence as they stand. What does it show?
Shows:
6.18
